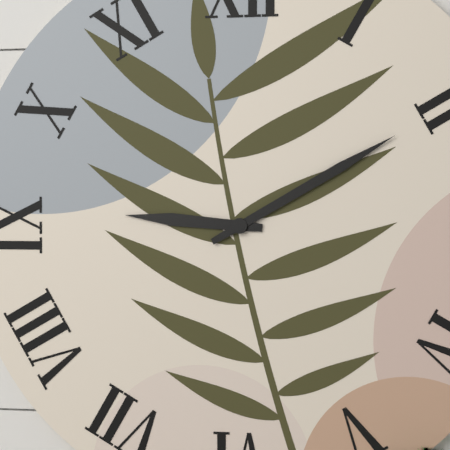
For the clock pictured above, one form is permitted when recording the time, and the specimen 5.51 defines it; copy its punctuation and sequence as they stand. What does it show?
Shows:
9.10
